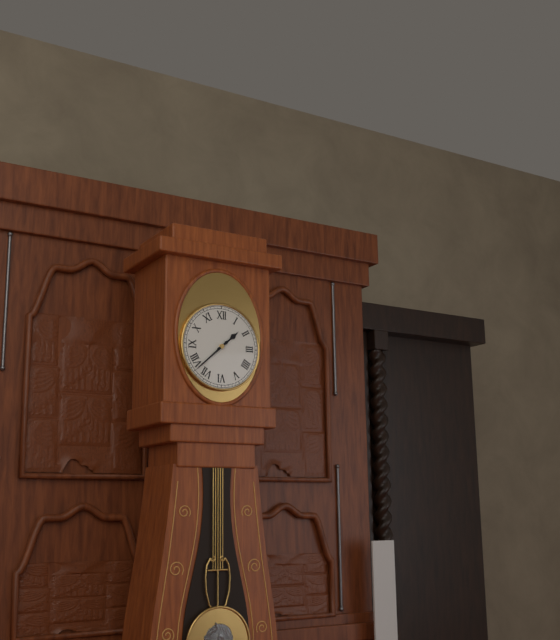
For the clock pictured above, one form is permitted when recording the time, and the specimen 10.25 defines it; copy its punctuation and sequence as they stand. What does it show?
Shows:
1.38
